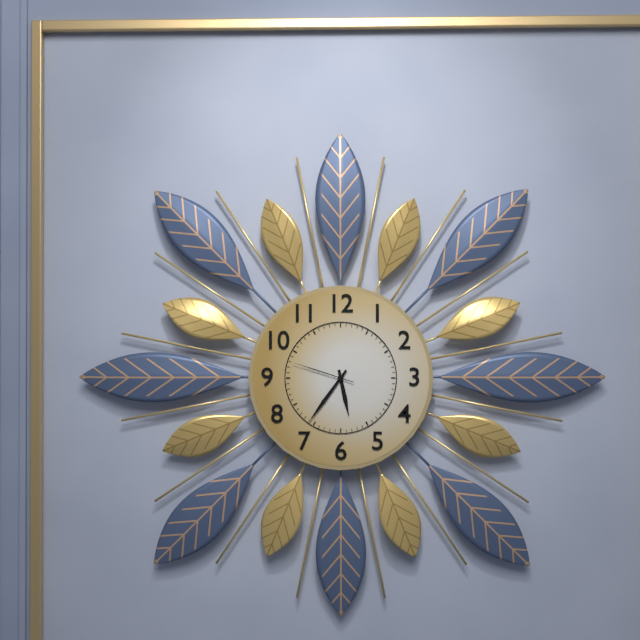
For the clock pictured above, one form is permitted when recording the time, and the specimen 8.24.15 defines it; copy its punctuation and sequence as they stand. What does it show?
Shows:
5.36.48
